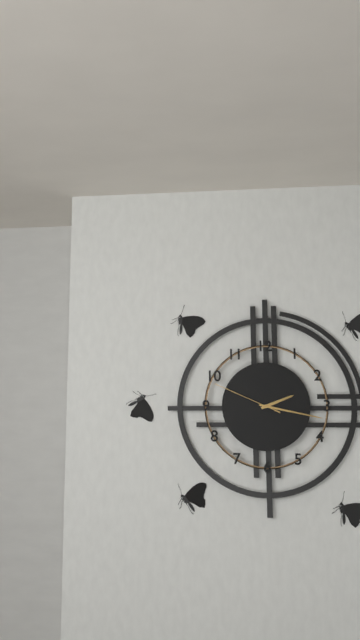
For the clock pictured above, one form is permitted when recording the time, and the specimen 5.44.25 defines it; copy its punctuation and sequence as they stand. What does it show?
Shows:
2.17.49
